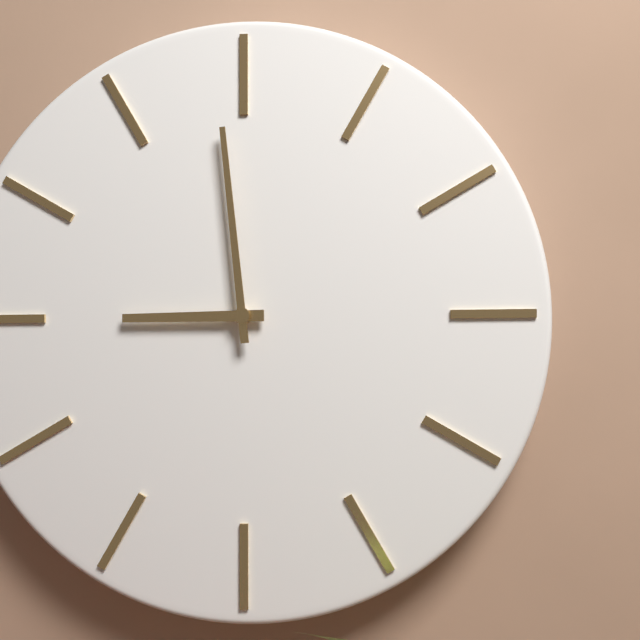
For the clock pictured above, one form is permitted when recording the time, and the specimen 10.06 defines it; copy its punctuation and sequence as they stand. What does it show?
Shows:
8.59
